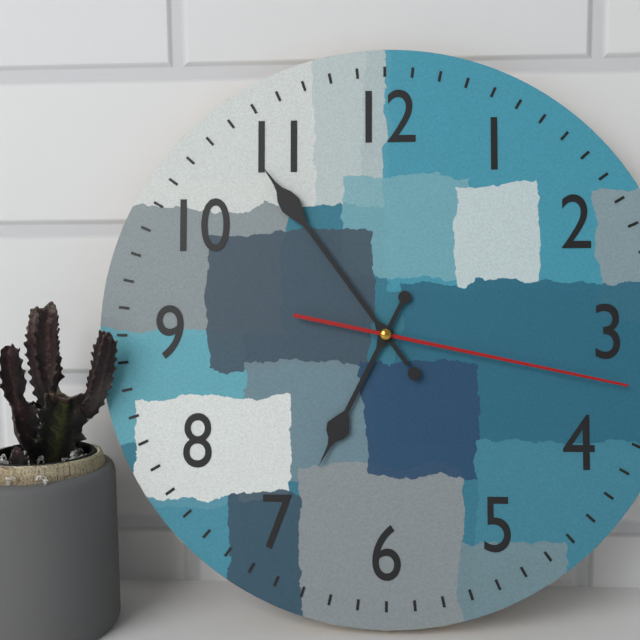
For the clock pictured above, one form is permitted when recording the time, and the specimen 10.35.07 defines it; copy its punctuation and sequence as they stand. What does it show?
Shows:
6.54.17
